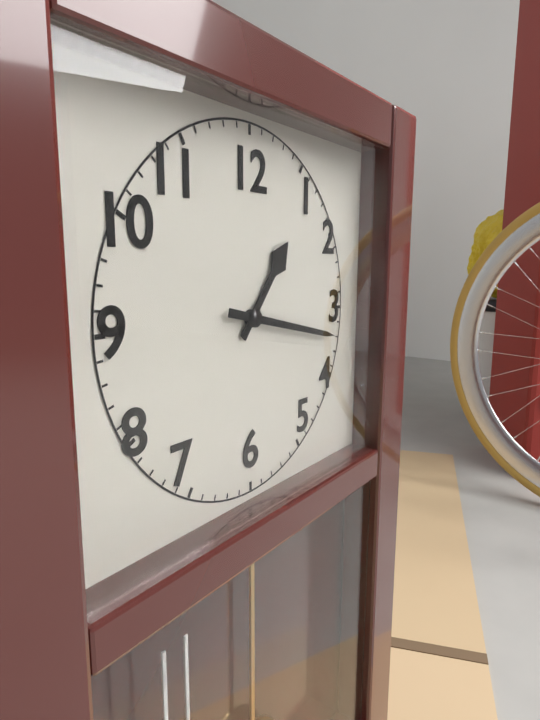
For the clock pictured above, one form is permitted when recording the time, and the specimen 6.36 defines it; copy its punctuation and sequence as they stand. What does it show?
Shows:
1.17
